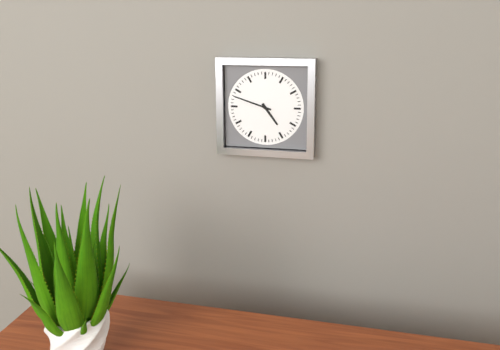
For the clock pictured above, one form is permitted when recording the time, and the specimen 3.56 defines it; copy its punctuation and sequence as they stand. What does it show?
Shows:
4.48
